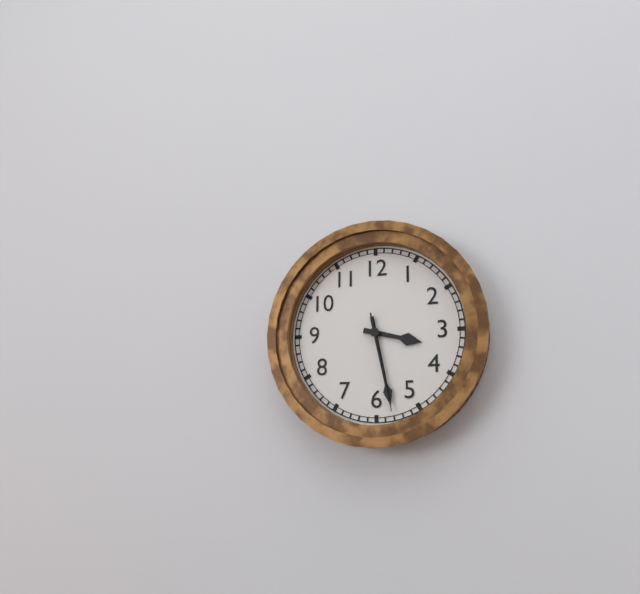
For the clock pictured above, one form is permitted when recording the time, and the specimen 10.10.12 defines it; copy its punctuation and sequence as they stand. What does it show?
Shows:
3.28.28
